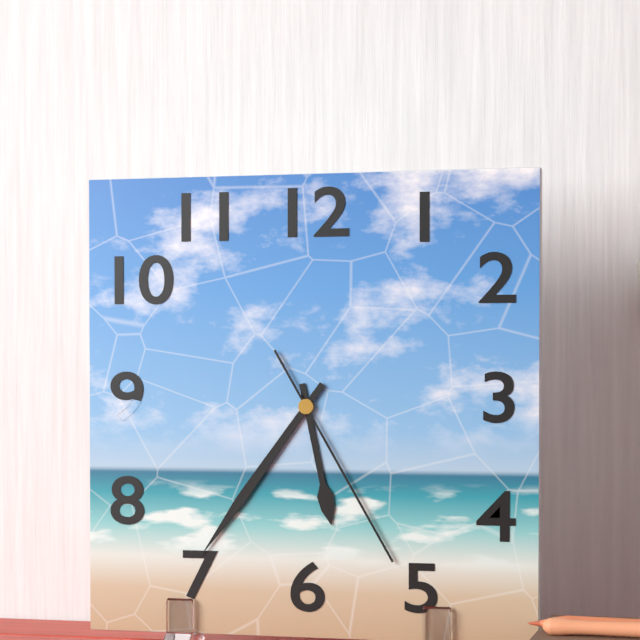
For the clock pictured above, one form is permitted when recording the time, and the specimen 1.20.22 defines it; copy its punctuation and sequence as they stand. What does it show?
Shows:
5.36.25
